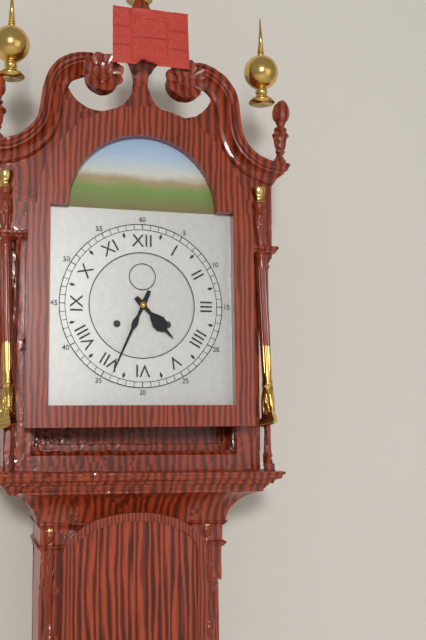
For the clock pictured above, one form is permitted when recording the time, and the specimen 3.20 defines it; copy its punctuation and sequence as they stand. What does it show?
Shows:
4.34
